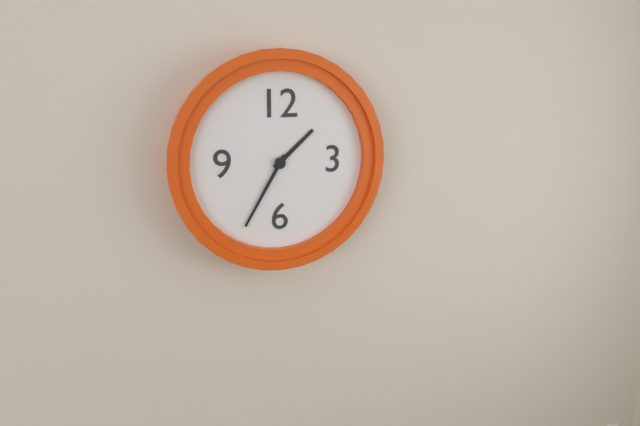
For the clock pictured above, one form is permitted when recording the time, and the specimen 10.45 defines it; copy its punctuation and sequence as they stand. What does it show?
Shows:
1.35
